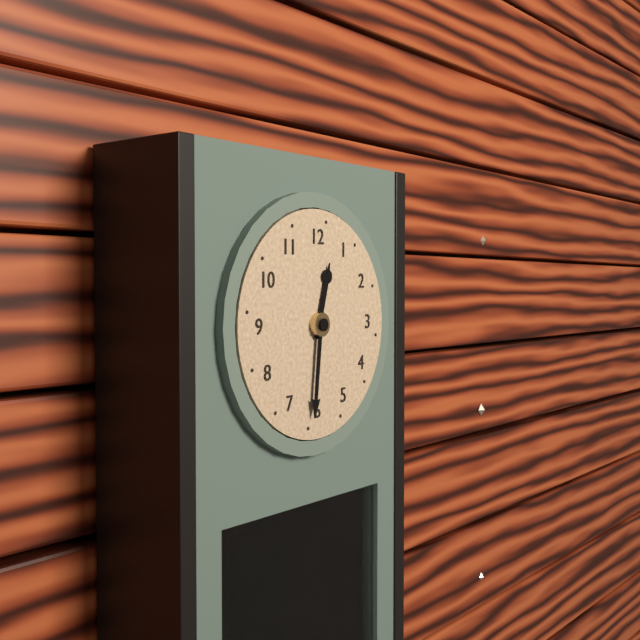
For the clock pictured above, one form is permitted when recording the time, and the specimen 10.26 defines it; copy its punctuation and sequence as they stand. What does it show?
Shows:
12.31
